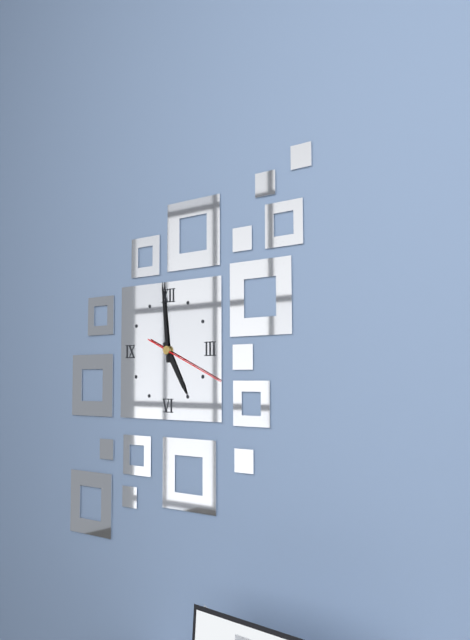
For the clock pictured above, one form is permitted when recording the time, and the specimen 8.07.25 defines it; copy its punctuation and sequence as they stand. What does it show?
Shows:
4.59.19
